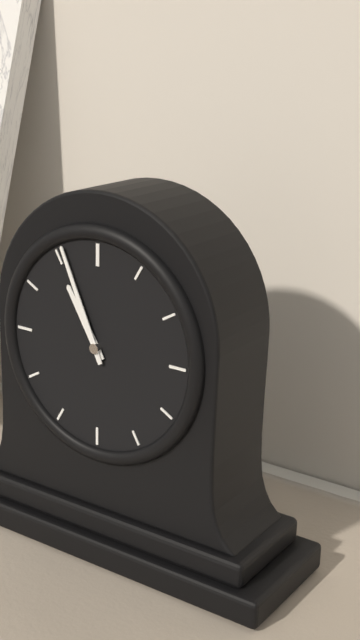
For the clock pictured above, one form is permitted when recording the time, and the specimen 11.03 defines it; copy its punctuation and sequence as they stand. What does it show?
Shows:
10.56
